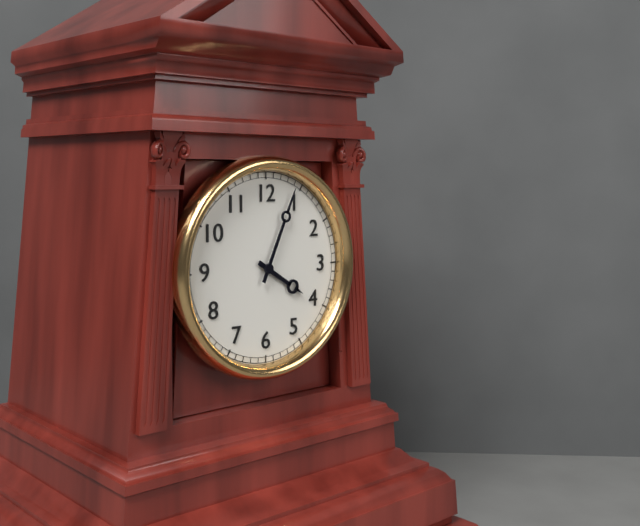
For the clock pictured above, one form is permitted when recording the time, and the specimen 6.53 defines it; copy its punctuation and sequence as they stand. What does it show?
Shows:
4.04
